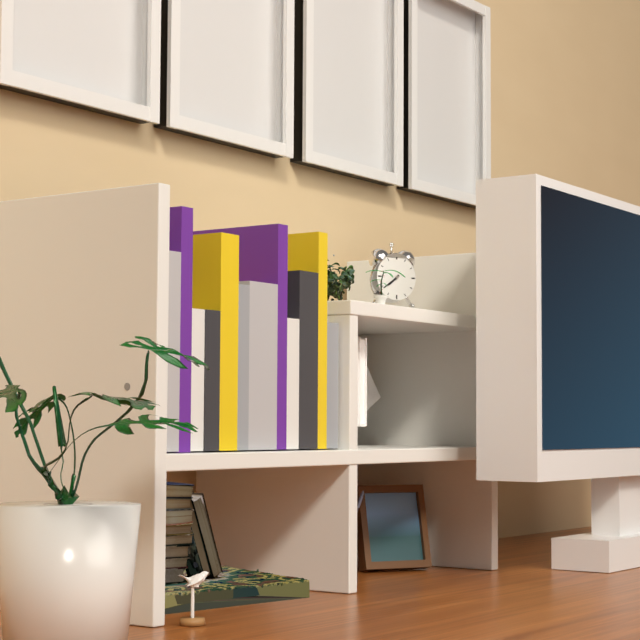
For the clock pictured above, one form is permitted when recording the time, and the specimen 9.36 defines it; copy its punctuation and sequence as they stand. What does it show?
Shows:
7.39
